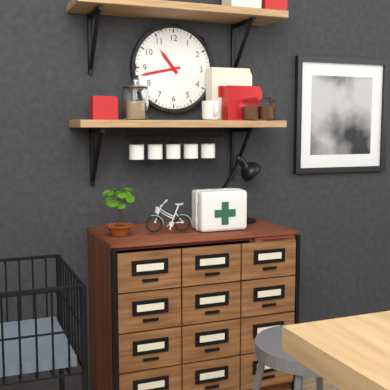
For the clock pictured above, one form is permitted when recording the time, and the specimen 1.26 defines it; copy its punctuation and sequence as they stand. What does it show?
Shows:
10.43
